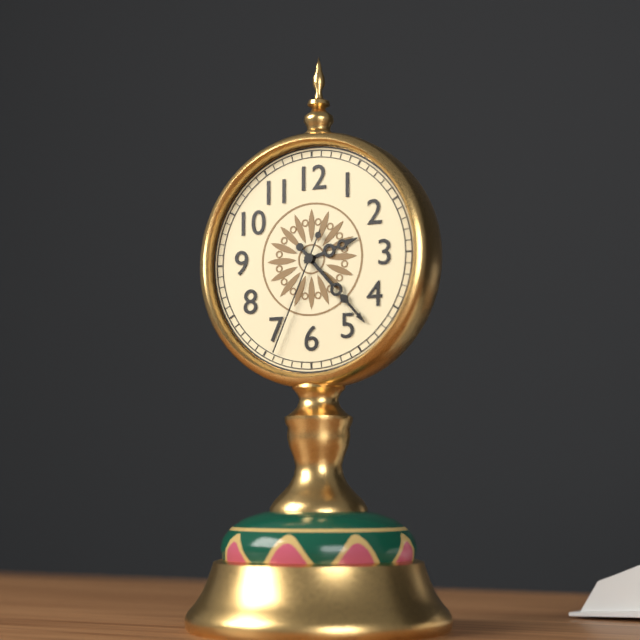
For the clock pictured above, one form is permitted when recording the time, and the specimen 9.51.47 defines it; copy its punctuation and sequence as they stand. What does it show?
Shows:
2.23.34
